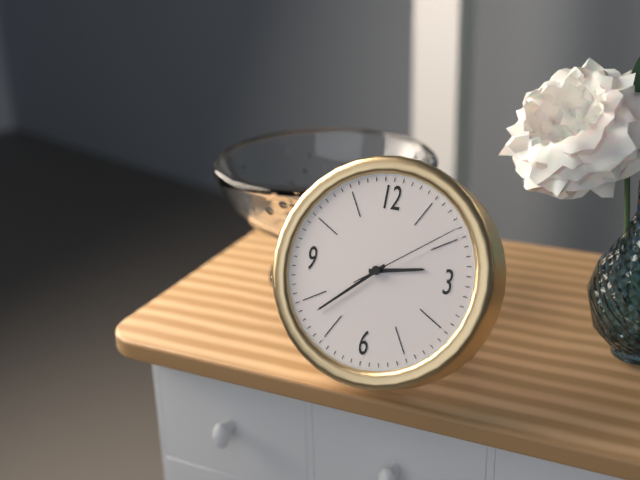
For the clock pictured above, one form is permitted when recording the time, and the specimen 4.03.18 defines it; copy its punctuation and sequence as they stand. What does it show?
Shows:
2.38.09
